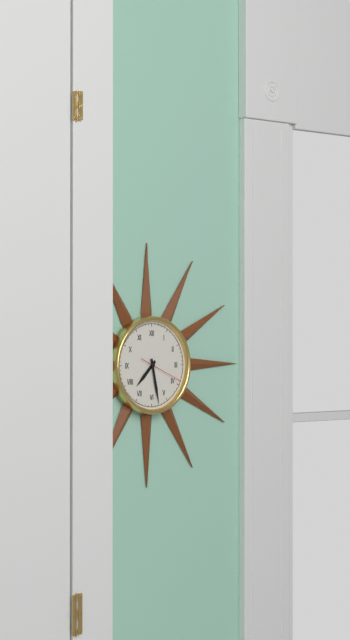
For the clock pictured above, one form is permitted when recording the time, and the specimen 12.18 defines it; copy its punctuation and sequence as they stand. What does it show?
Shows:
7.28
